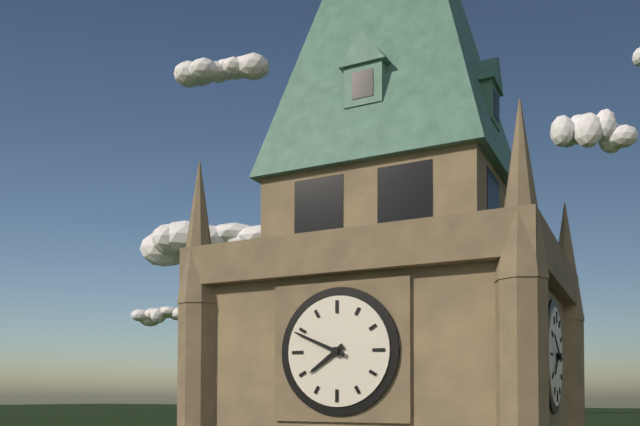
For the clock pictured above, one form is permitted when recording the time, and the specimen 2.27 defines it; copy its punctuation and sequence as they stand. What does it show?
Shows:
7.49
